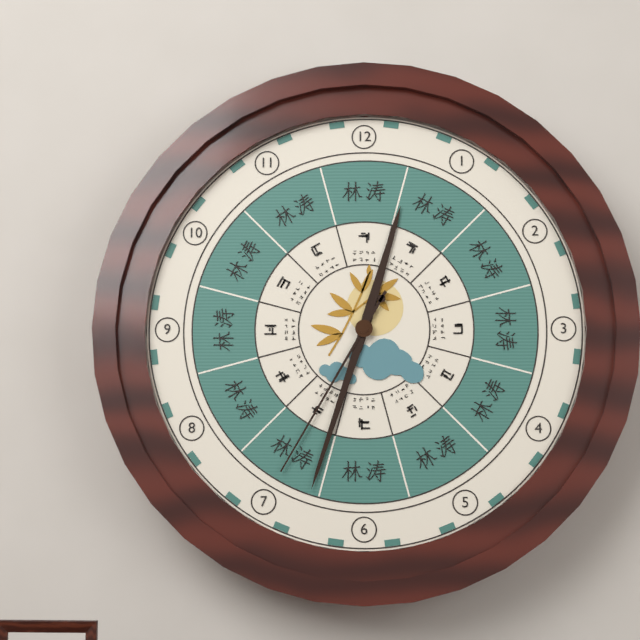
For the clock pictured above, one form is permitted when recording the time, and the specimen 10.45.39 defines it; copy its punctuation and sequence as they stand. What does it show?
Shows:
12.33.35
